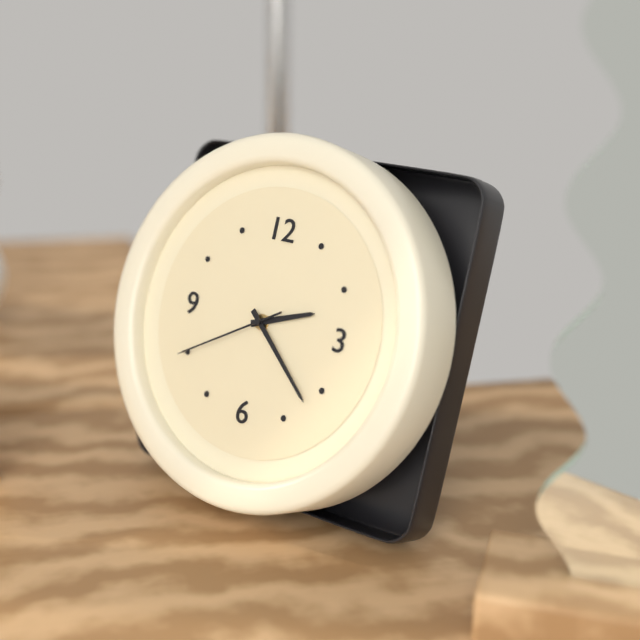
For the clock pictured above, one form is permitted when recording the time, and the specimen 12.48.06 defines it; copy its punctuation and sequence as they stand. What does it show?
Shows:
2.22.40
